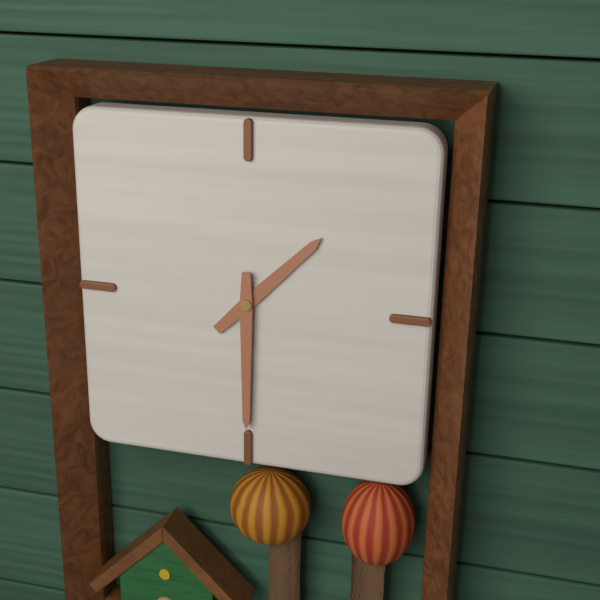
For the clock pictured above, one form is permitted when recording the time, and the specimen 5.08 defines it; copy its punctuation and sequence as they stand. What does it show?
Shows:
1.30
